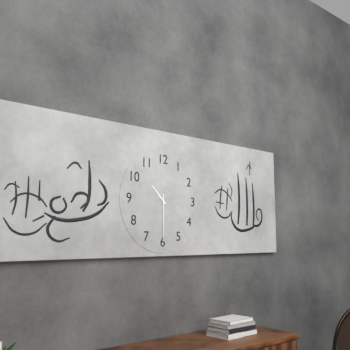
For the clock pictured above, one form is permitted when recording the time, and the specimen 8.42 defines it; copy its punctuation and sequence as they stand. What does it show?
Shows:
10.30
